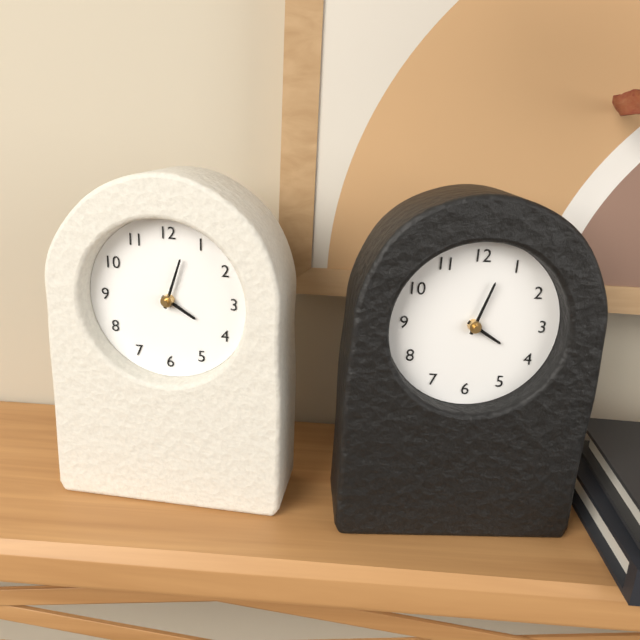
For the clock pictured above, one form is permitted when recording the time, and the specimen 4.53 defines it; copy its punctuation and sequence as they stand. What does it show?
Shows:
4.03
